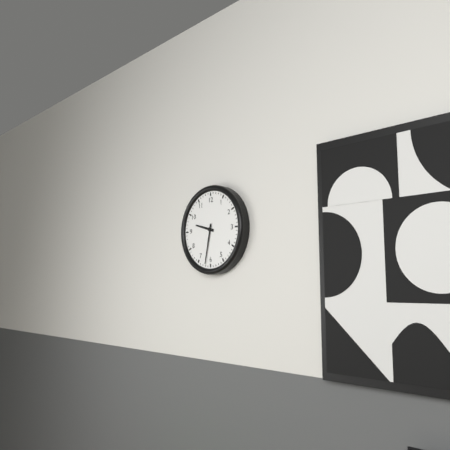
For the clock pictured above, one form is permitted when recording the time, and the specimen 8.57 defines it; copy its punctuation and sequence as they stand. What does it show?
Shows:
9.32
